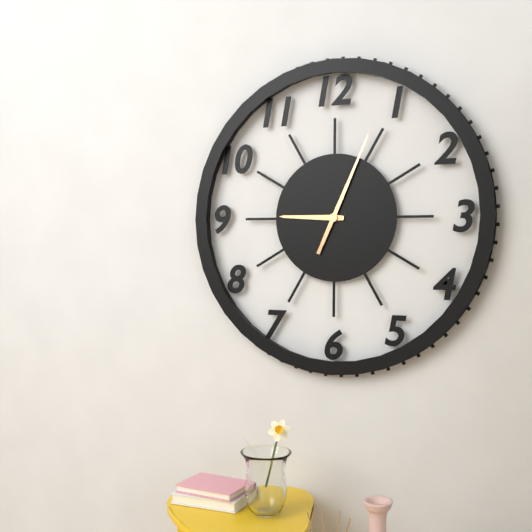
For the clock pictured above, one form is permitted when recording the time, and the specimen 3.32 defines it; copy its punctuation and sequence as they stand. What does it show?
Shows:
9.04
